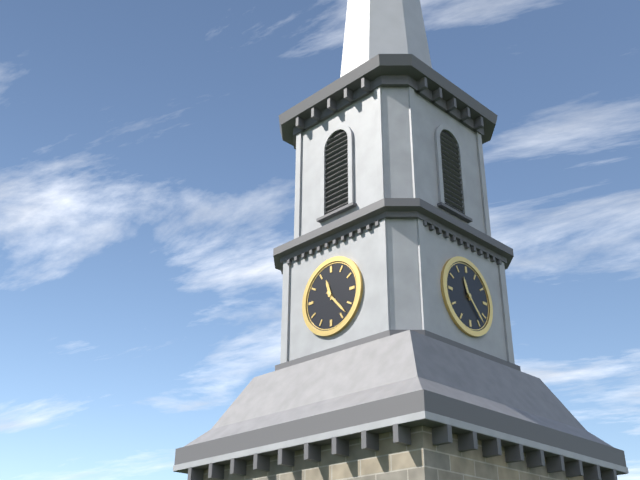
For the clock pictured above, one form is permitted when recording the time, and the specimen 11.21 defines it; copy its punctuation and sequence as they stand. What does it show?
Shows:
11.23
